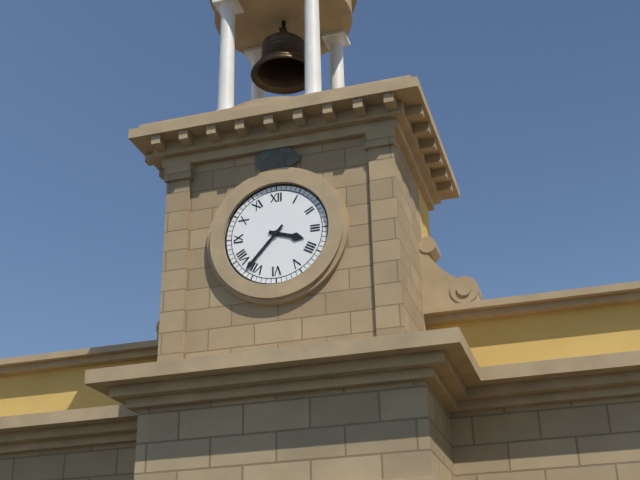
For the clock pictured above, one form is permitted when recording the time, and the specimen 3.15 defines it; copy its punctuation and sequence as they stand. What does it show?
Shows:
3.37
